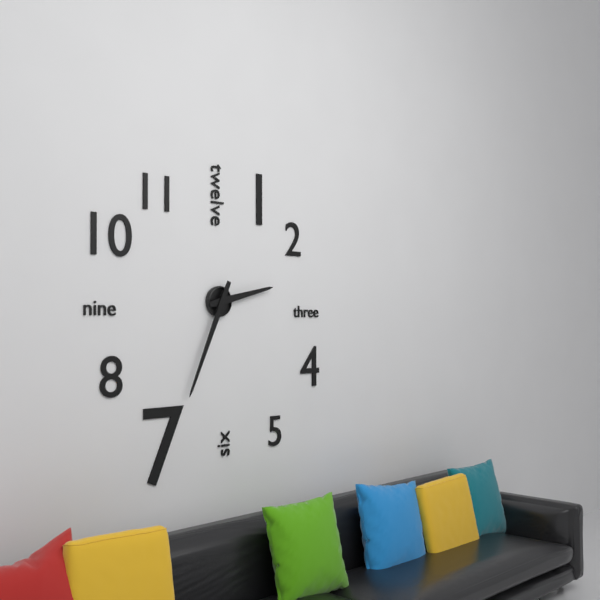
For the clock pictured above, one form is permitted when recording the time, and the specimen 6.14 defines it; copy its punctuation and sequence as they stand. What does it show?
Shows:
2.34
